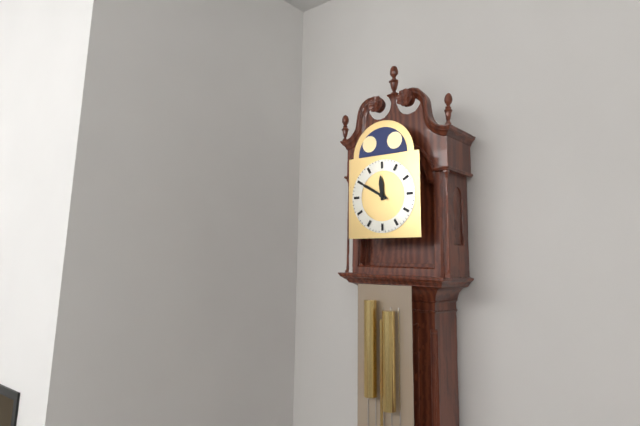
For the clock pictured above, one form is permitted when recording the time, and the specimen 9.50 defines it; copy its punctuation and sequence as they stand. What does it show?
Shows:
11.50
